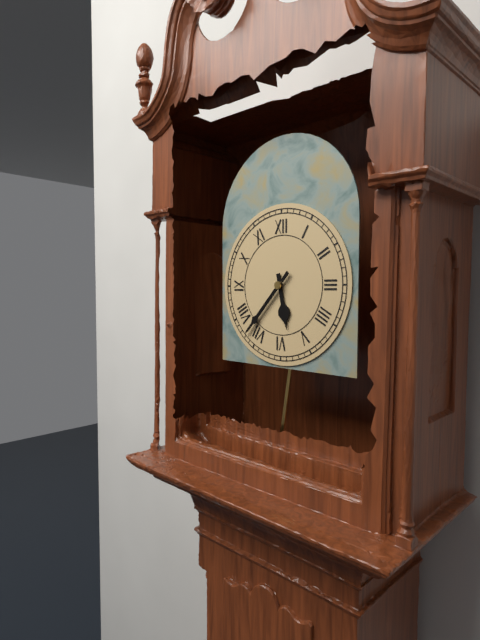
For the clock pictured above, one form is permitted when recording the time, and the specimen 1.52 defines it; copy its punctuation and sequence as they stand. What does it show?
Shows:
5.37
